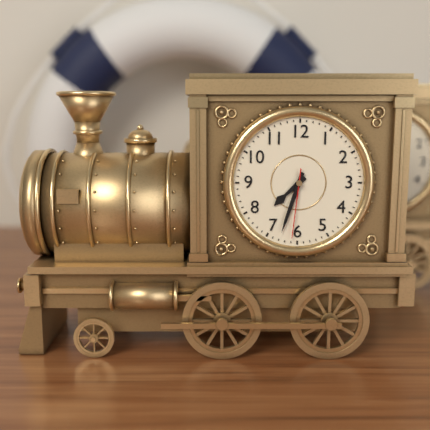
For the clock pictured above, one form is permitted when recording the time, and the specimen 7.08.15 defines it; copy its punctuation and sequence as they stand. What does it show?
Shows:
7.33.31
